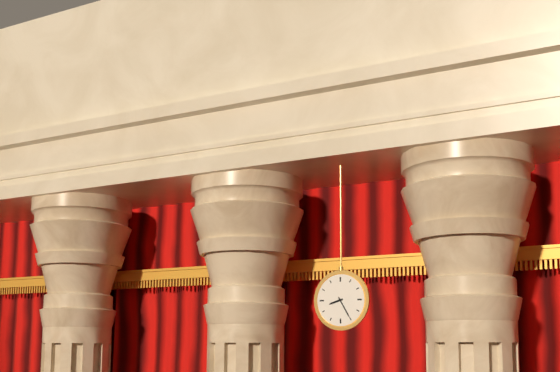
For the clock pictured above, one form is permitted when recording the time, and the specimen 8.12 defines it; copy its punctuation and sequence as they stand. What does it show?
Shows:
8.25
